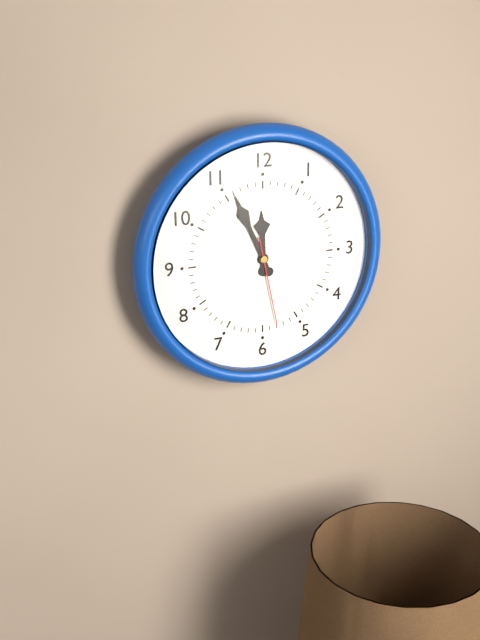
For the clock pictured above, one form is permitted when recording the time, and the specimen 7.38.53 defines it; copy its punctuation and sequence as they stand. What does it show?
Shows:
11.56.28
